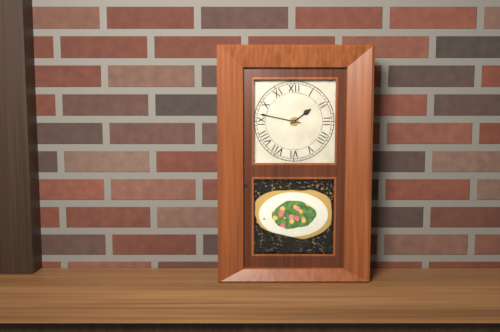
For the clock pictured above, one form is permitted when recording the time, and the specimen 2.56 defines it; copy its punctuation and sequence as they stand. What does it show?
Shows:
1.47
